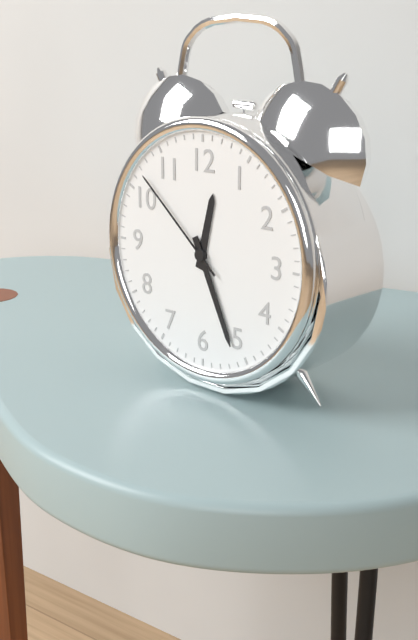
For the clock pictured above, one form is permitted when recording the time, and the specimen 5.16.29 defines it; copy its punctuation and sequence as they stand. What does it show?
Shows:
12.26.52
